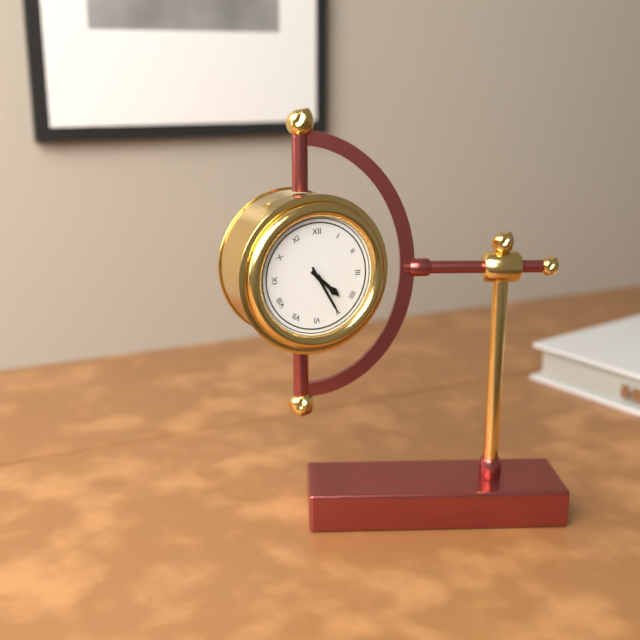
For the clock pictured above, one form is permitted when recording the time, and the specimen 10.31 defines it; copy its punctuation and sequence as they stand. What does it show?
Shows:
4.25
